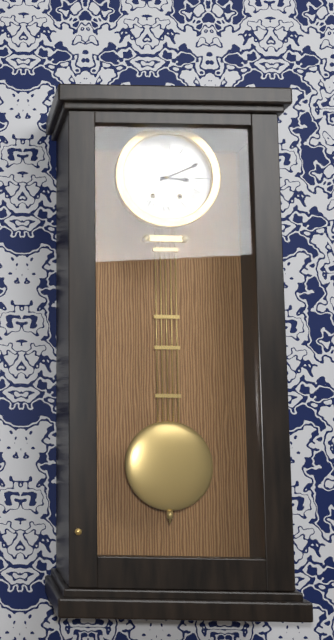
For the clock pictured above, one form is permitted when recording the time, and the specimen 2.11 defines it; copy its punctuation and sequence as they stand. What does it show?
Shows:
3.11
